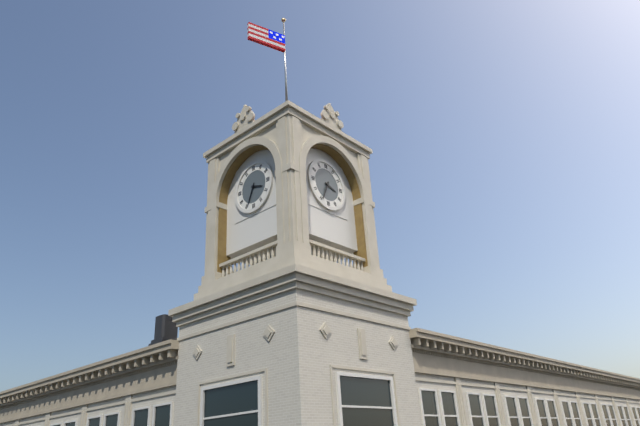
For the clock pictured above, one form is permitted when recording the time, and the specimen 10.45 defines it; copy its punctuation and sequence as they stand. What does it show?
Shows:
3.34
